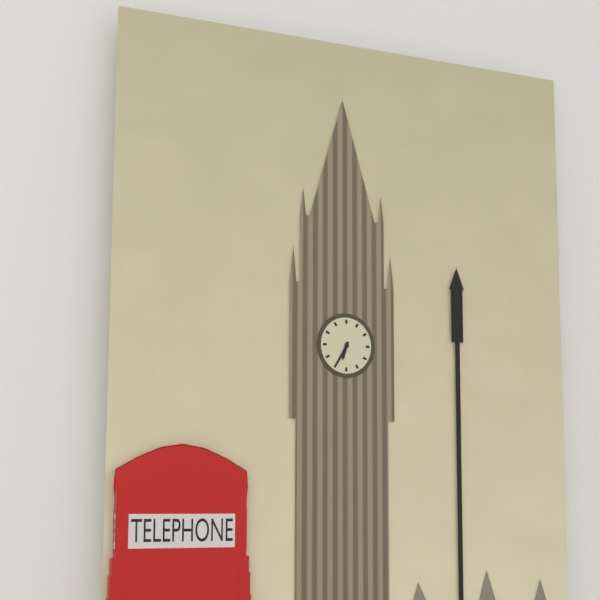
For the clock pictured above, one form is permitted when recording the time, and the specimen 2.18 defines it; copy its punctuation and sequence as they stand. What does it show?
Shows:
6.35
